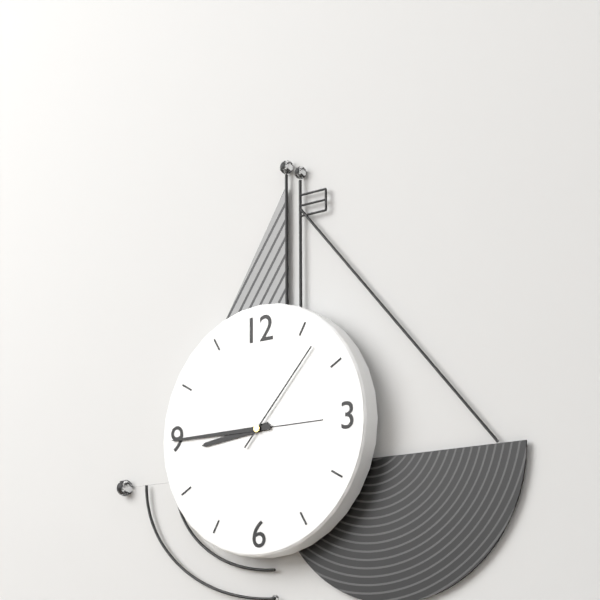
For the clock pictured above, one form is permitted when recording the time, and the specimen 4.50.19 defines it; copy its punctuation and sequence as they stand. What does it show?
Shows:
8.45.07
